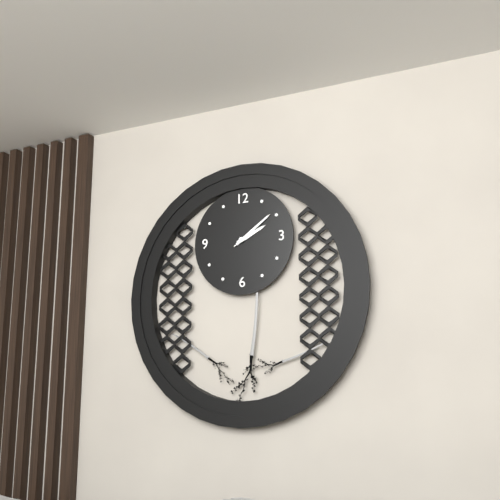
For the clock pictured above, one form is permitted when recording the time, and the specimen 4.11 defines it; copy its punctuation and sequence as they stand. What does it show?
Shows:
2.09
